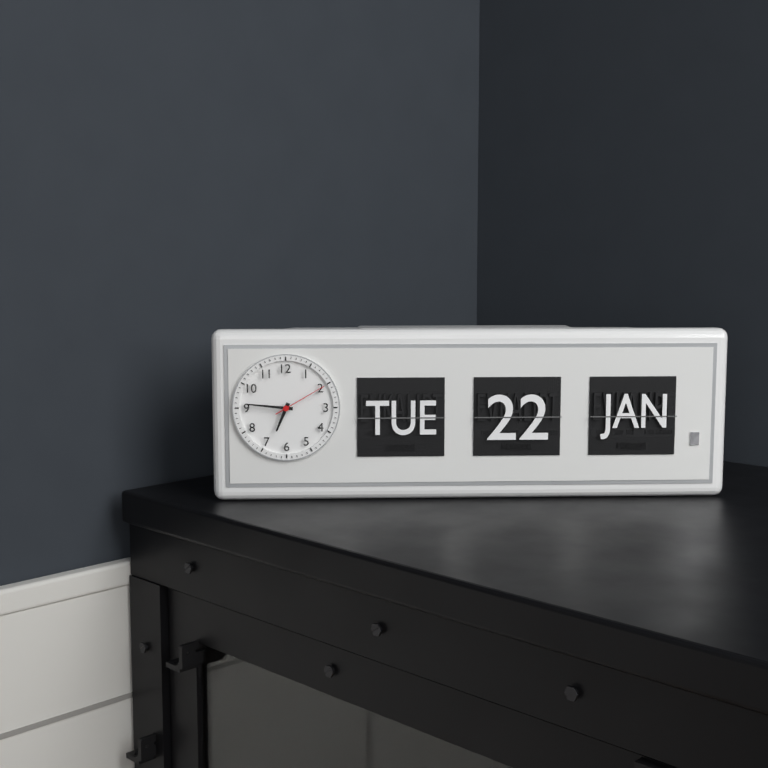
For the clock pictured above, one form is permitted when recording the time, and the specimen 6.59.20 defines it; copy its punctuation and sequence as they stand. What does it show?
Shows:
6.46.10
